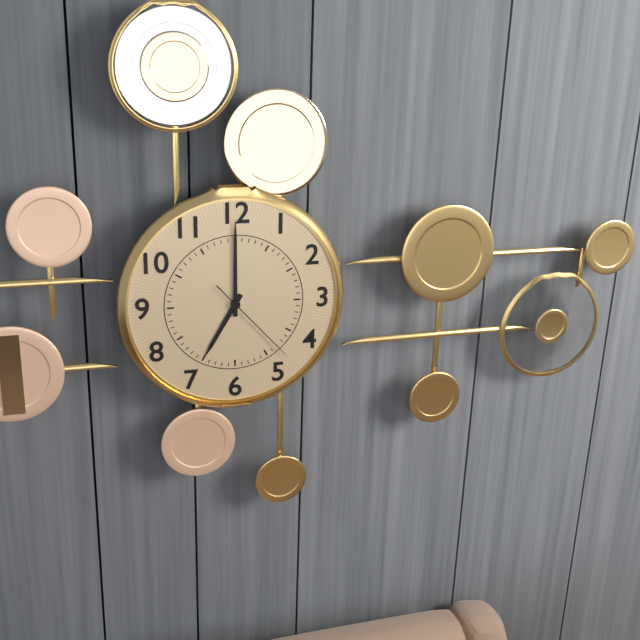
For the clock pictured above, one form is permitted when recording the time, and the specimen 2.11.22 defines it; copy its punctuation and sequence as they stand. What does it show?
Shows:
7.00.23
